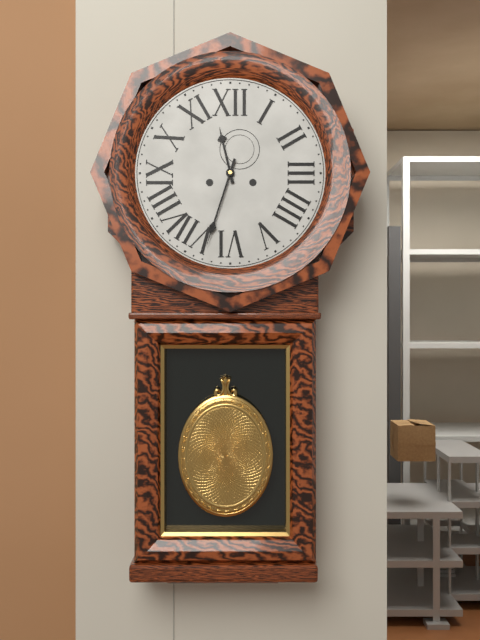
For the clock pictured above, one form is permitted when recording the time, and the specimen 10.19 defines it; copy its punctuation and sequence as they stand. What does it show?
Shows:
11.33
